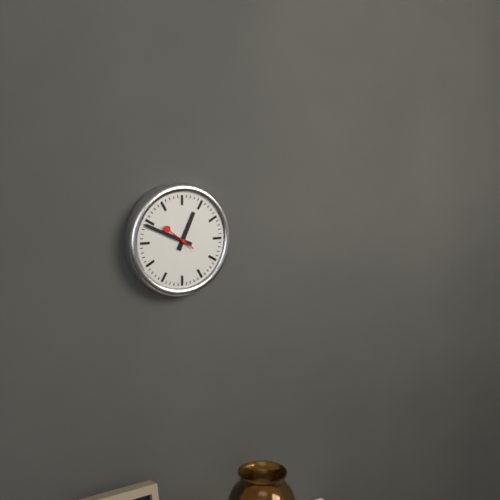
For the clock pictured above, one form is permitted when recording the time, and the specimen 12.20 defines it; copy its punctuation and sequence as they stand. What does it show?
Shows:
12.49
